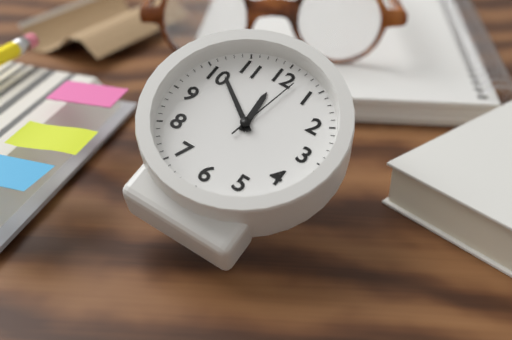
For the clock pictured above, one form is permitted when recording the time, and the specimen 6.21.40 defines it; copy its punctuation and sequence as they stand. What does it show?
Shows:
11.51.02
